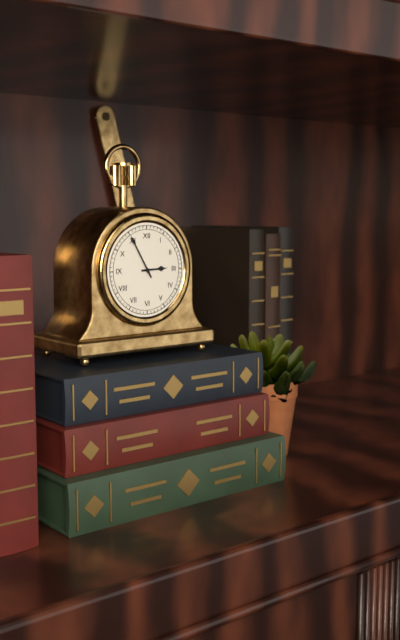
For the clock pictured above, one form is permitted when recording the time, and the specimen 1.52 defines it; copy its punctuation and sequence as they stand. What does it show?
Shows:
2.55
